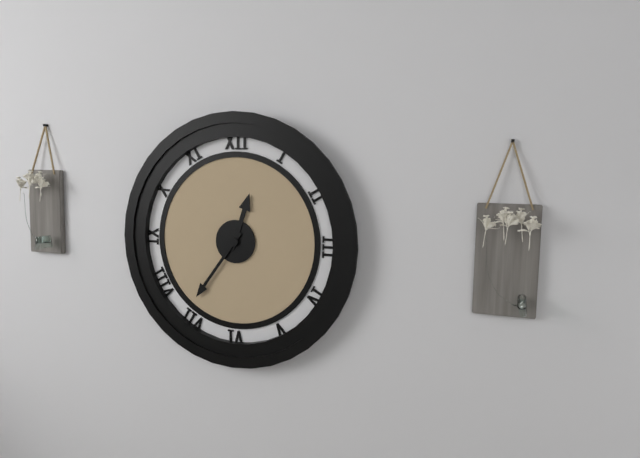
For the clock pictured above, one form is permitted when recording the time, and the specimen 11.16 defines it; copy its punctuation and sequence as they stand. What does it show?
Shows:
12.36
